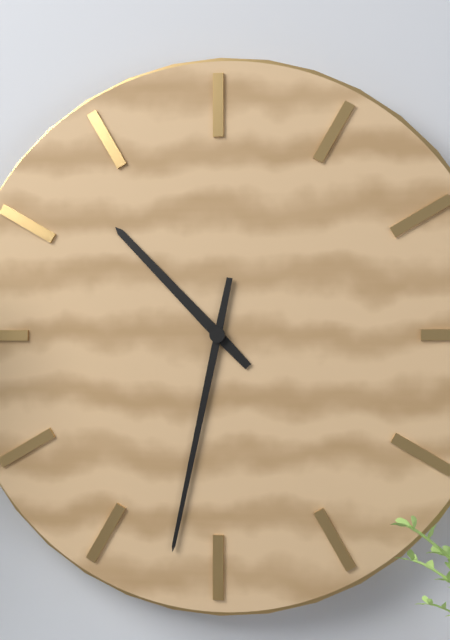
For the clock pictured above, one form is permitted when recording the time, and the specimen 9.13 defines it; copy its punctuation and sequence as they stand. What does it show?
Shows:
10.32
